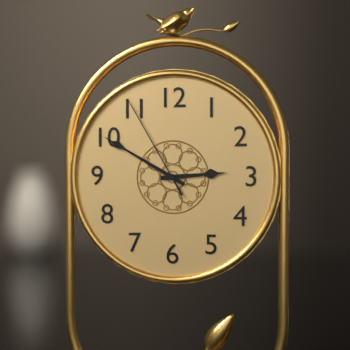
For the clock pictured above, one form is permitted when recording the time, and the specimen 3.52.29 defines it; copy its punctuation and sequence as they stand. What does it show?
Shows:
2.50.55
